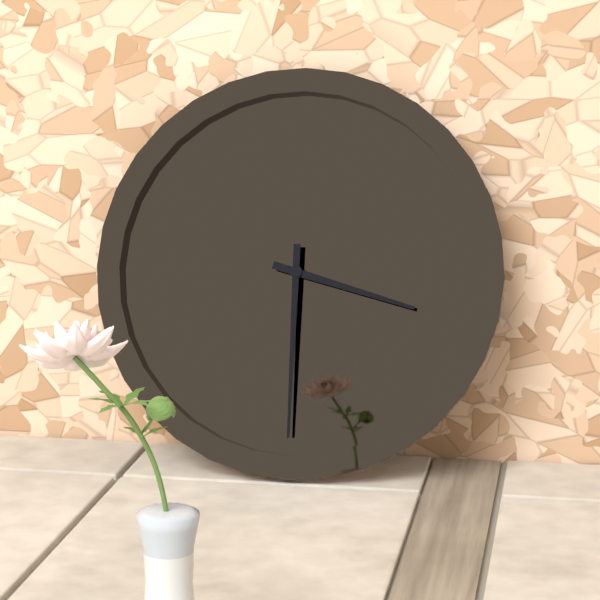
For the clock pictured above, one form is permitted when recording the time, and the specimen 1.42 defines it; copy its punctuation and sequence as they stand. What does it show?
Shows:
3.30
